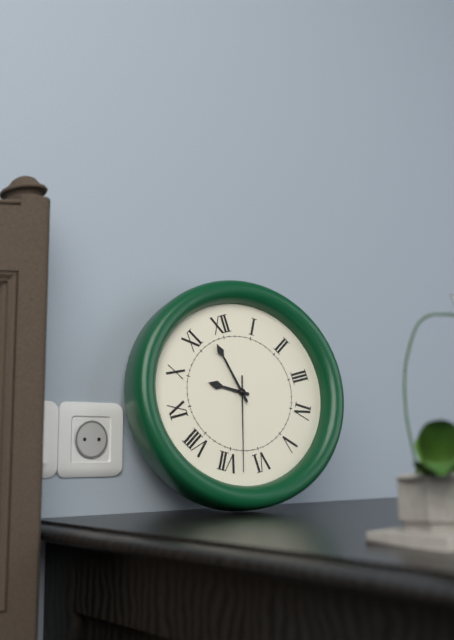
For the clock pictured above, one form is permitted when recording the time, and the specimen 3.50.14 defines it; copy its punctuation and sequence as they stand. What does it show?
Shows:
9.58.33
